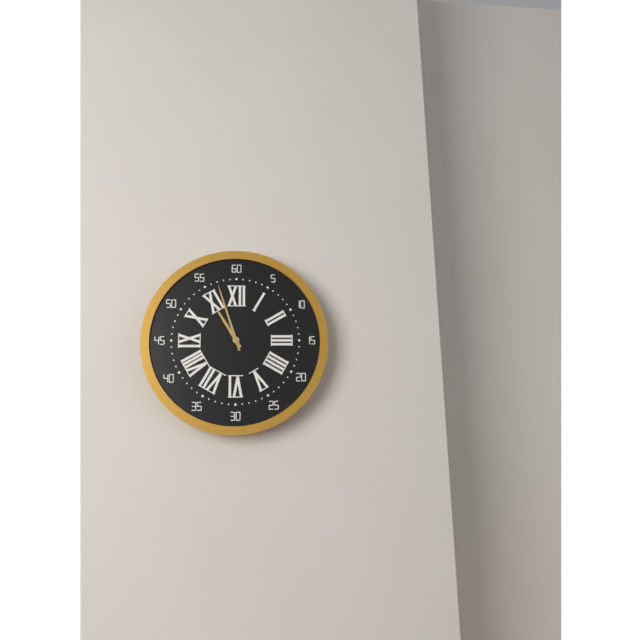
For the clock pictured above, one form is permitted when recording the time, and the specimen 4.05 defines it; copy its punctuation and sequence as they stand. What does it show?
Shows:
10.57
